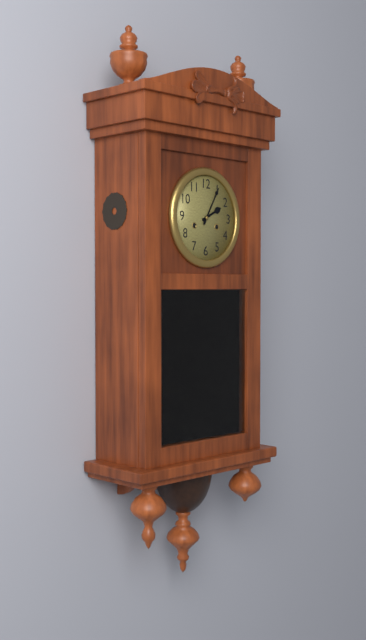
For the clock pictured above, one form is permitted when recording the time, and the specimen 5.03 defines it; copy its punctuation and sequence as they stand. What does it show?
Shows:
2.05
